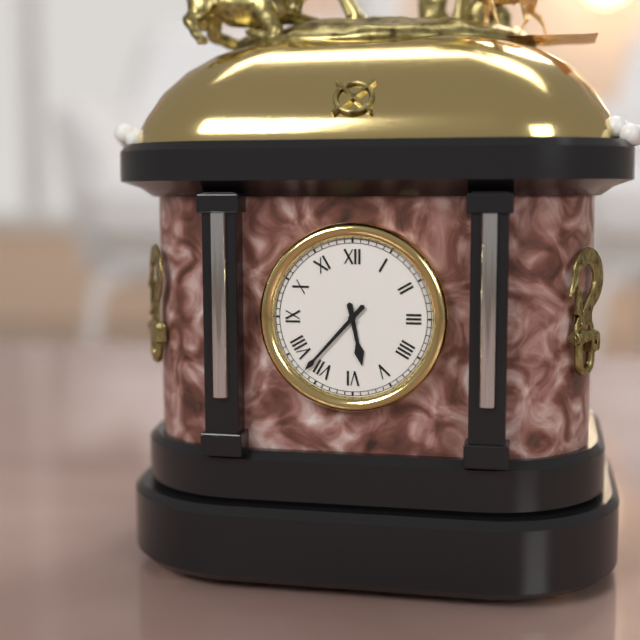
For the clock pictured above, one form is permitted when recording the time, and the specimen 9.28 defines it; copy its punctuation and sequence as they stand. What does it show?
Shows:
5.37
